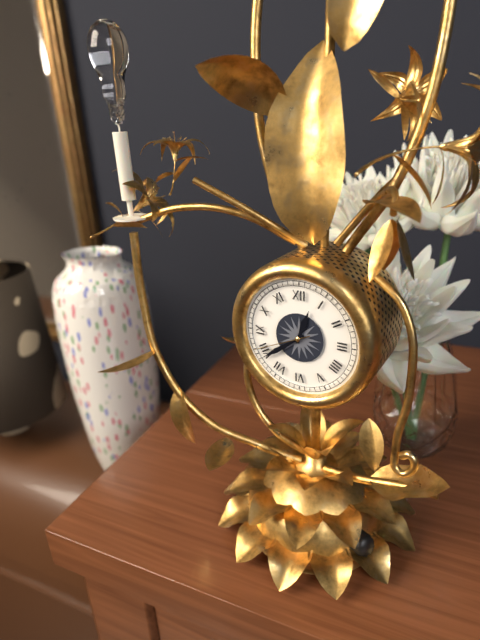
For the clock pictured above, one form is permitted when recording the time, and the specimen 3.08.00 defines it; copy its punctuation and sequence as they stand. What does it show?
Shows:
12.39.41
